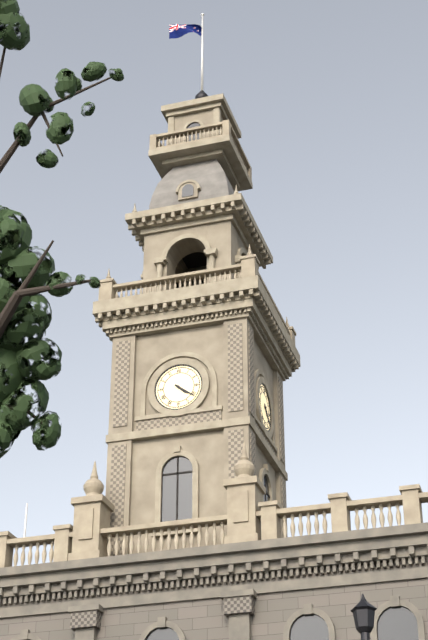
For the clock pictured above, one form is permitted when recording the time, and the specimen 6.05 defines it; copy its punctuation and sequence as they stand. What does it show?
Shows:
4.21
